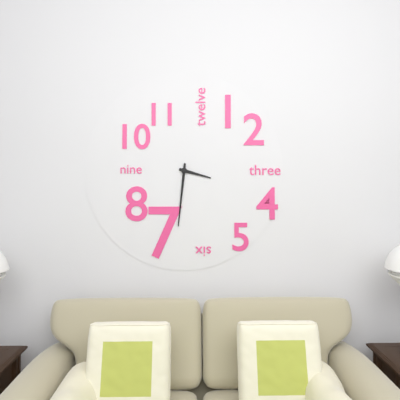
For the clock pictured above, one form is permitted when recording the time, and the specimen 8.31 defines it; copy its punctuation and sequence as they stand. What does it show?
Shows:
3.31
